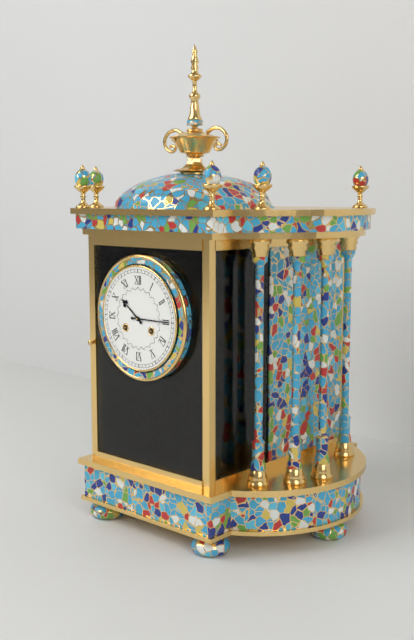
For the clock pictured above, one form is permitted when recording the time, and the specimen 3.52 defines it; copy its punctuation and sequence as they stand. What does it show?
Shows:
10.15
